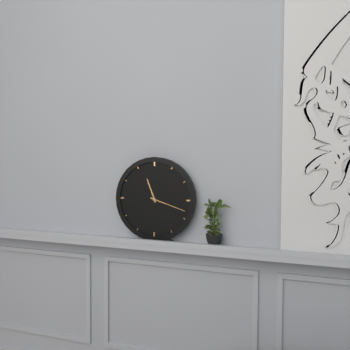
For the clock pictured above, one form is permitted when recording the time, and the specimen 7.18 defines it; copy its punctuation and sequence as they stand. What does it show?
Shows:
11.18
